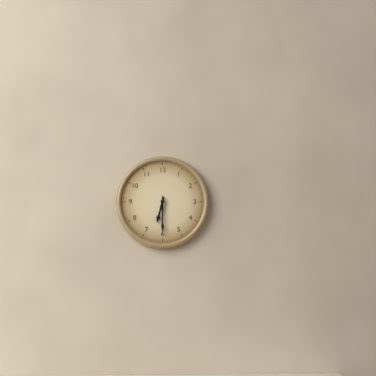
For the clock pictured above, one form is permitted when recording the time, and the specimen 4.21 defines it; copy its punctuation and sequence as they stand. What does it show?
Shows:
6.30
